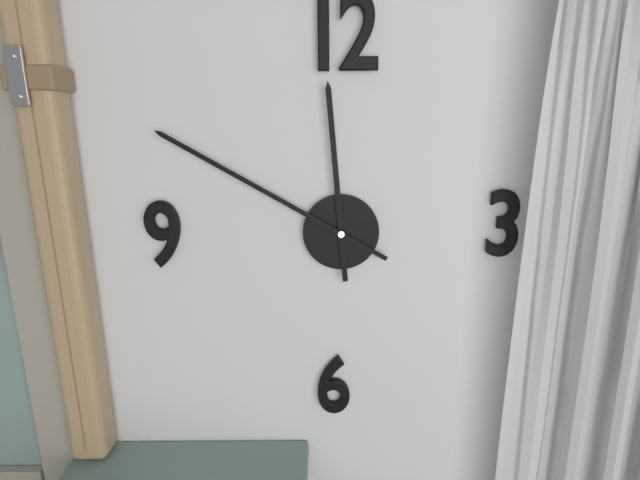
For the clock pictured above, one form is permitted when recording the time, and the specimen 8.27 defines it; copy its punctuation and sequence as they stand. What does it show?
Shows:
11.50
